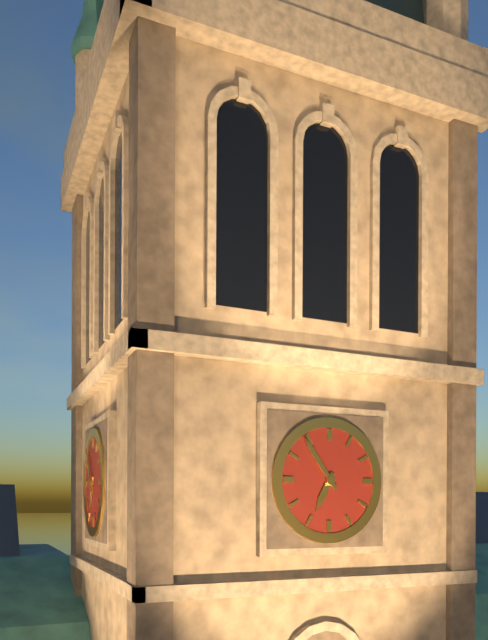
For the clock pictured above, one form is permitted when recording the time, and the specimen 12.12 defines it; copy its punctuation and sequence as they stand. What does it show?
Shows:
6.54
